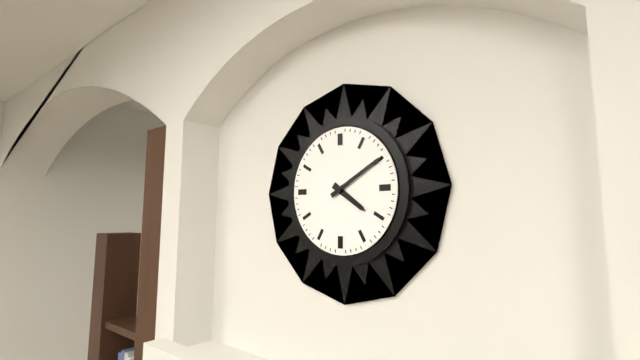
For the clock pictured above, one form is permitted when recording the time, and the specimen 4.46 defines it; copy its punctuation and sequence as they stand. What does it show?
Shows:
4.10
